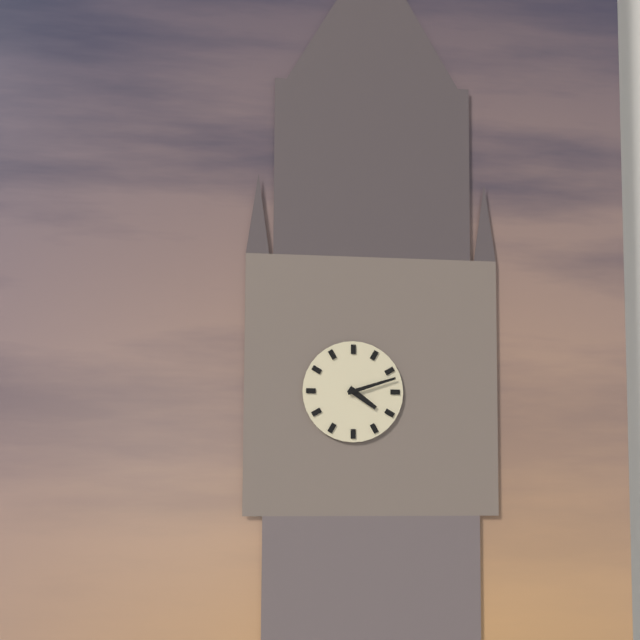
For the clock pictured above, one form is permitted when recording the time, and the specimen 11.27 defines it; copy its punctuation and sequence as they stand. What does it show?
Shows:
4.12
